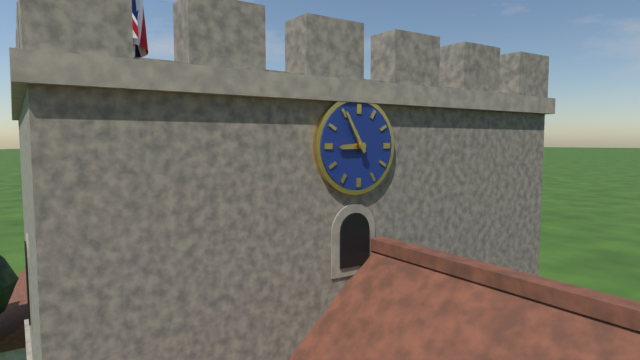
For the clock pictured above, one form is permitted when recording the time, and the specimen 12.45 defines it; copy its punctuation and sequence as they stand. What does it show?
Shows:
8.55
